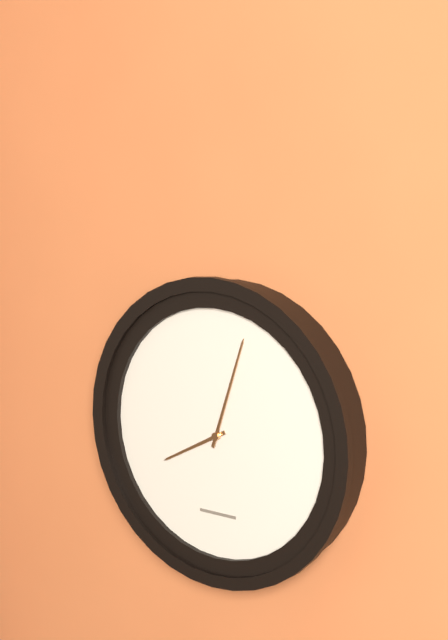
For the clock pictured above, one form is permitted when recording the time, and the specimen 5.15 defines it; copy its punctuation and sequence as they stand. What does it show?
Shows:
8.03
